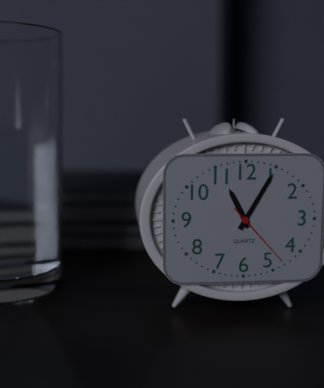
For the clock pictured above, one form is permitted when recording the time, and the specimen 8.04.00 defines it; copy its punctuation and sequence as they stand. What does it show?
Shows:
11.05.23
